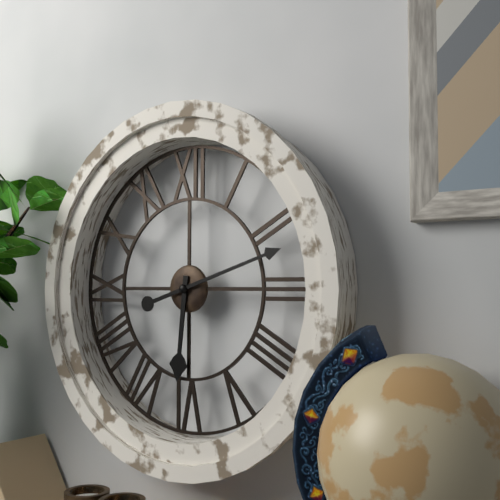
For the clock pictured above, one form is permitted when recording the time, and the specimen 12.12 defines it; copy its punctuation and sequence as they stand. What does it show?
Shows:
6.12
